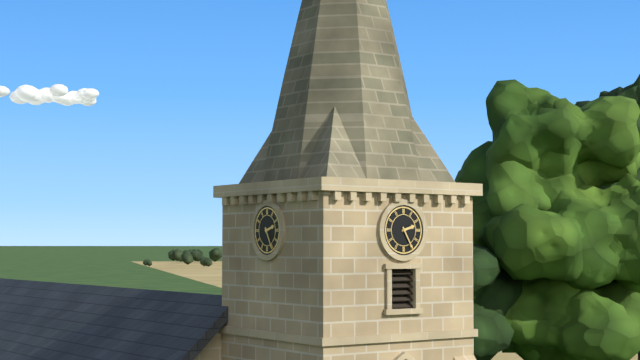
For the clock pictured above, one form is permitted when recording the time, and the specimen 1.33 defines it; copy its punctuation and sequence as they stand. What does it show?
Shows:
2.25
